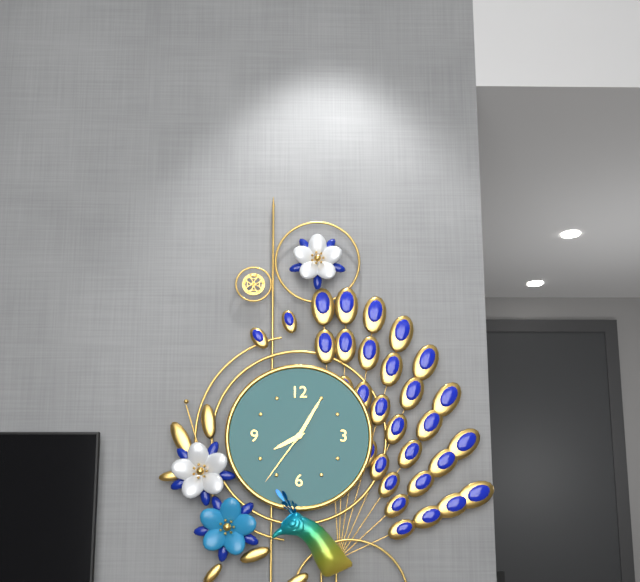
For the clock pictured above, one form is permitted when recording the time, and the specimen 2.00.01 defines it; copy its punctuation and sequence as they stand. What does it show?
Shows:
8.05.36
